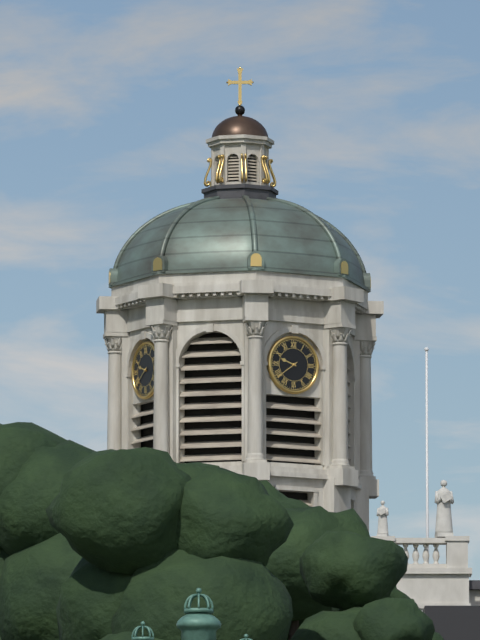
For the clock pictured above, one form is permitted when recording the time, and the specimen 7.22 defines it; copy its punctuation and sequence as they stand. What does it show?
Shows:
9.39
